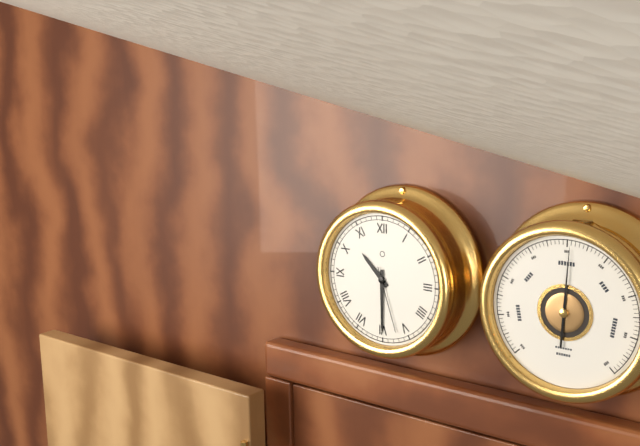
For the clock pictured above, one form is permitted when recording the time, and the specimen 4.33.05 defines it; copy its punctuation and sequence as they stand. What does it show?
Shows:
10.30.27
